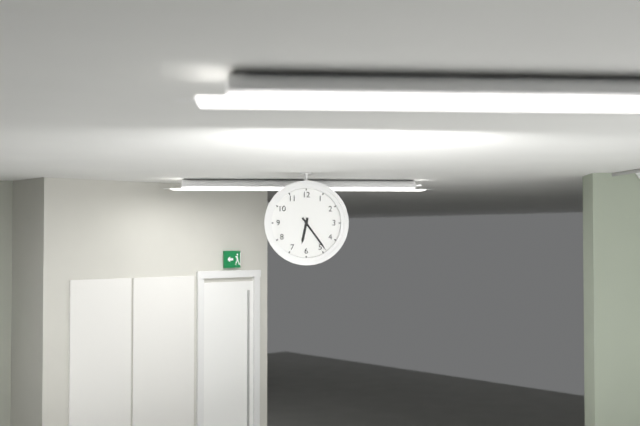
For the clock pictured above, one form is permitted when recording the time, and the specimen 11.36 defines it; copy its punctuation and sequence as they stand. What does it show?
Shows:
6.24
